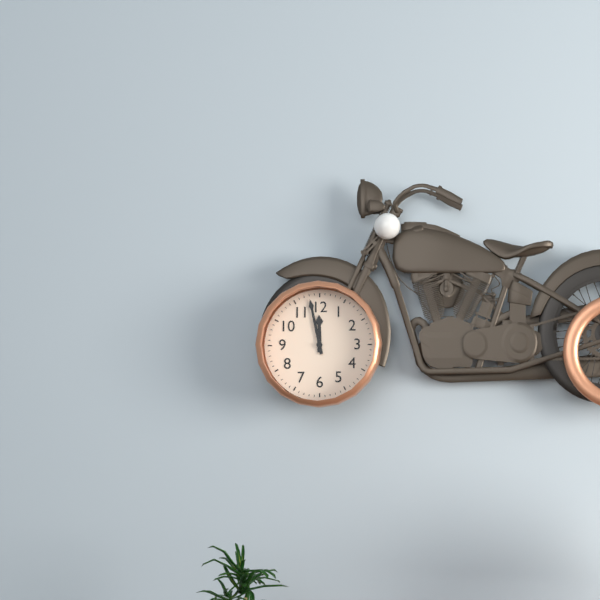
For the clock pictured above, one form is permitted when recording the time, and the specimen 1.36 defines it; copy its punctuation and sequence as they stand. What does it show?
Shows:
11.58
